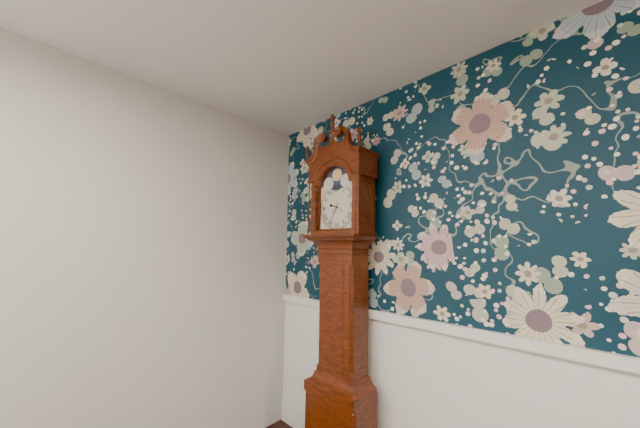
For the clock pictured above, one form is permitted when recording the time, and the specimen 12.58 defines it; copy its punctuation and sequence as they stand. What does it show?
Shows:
9.35
